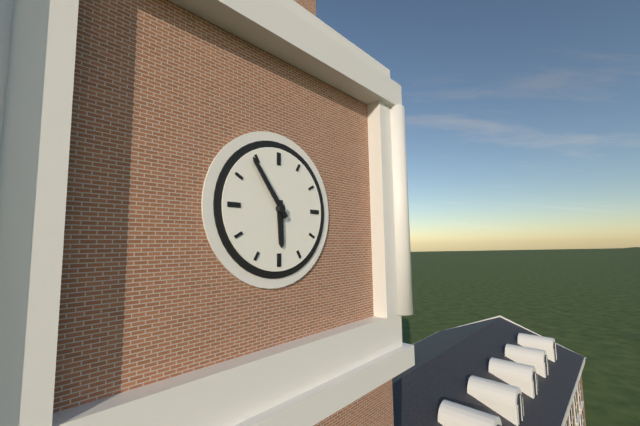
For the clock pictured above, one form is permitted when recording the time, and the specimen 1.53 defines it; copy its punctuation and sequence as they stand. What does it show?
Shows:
5.54
